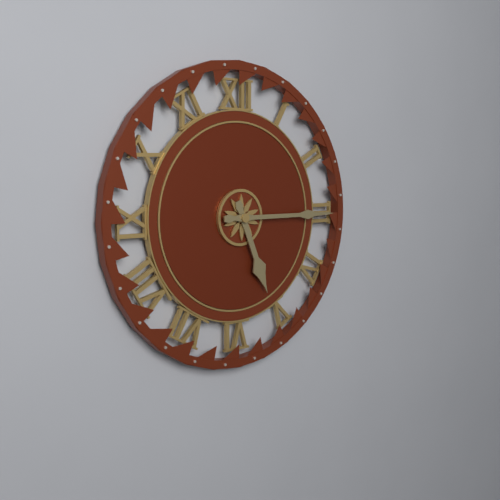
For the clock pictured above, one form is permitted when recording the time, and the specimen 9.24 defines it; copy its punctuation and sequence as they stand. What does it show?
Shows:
5.15
